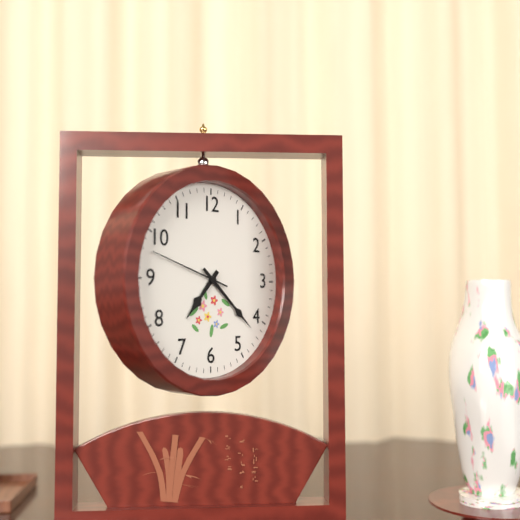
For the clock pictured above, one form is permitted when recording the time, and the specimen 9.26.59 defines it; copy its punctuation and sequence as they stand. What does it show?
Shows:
7.22.48
